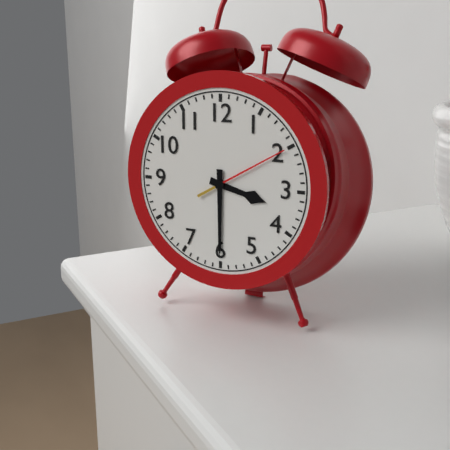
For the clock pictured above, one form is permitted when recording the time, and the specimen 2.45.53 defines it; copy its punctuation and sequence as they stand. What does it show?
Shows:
3.30.10
